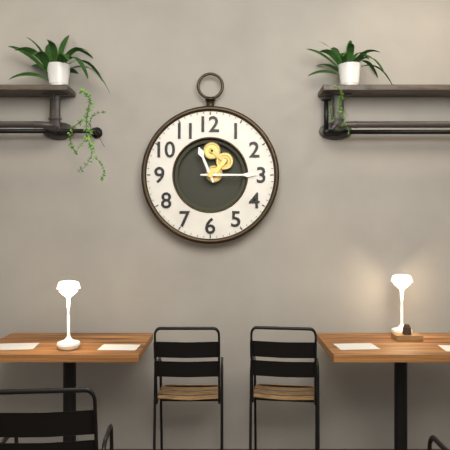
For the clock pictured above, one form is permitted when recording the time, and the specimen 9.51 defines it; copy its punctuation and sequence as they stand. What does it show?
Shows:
11.15
